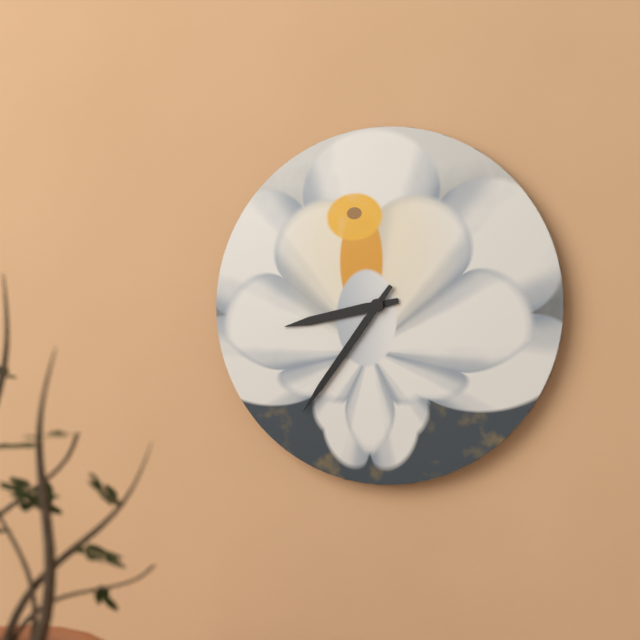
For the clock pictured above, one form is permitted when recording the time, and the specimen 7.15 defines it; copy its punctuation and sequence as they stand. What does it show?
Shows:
8.36
